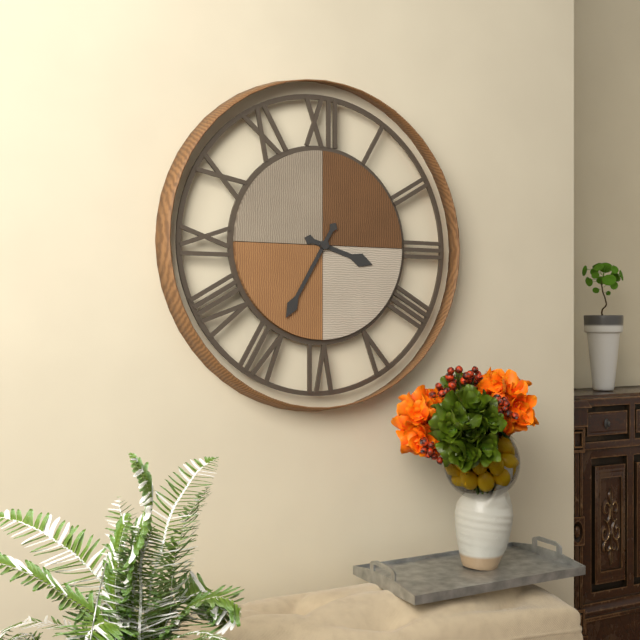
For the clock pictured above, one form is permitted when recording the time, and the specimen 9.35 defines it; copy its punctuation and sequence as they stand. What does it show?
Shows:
3.35
